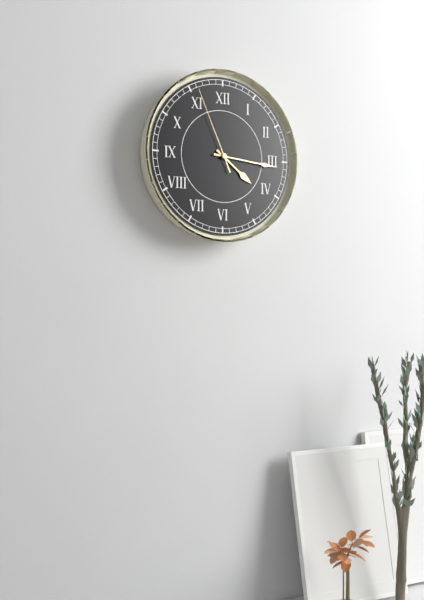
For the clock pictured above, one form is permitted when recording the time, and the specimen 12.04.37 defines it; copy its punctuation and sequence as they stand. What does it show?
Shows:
4.16.56
